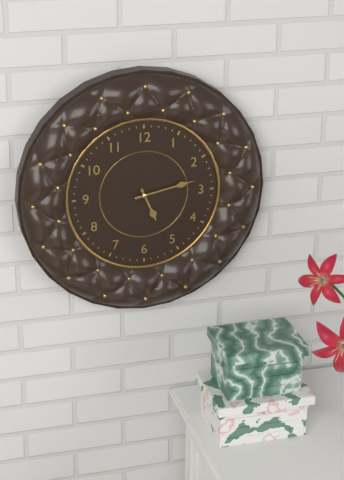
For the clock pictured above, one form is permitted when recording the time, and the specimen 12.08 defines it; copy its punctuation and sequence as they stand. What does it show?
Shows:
5.13
